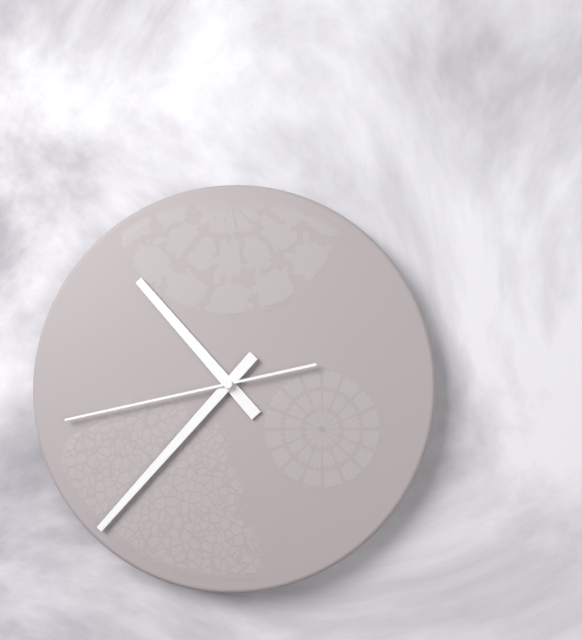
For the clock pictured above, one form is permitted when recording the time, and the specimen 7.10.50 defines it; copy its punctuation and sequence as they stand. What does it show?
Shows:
10.37.43
